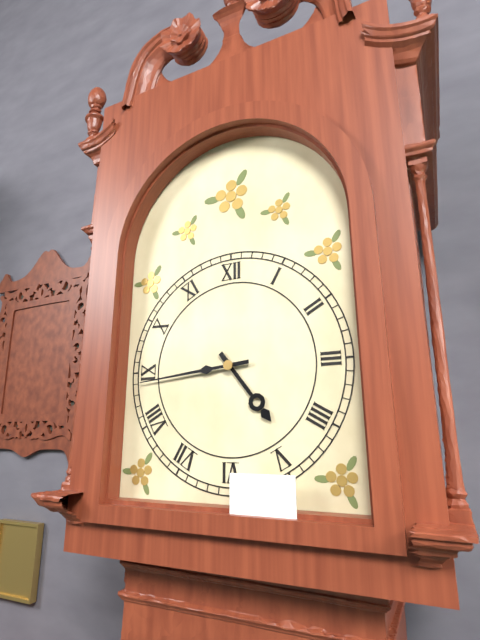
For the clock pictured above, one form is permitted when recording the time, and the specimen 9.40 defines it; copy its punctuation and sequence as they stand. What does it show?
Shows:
4.44
